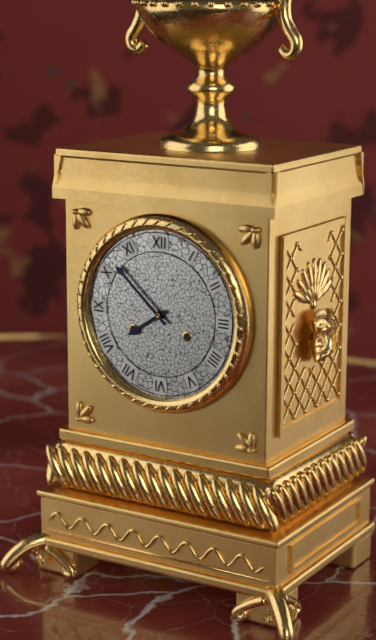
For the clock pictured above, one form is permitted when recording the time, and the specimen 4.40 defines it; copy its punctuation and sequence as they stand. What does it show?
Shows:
7.52
